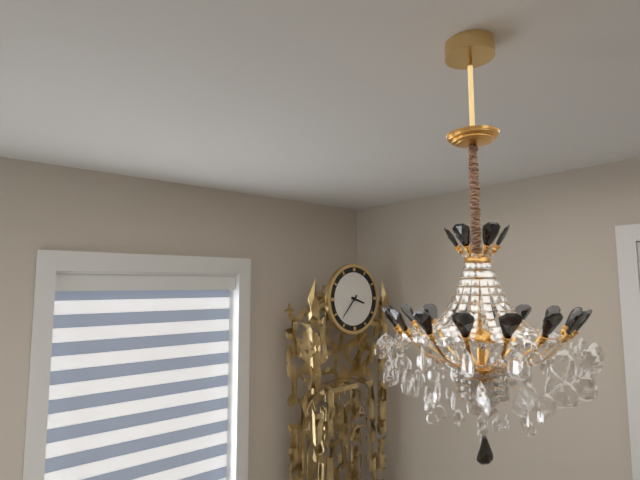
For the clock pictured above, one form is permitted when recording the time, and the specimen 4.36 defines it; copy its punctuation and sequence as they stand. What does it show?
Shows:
3.37
